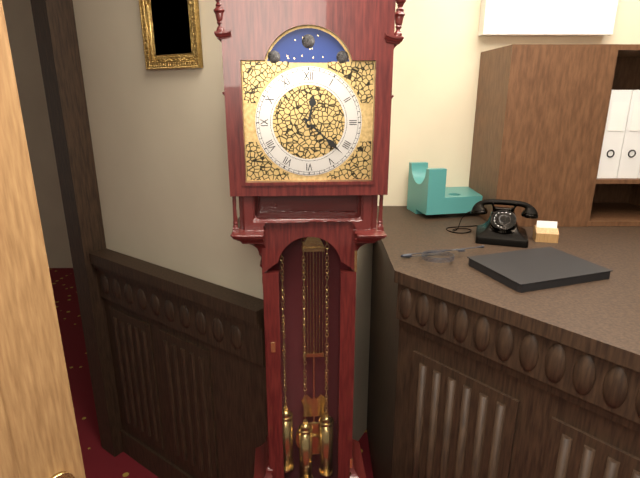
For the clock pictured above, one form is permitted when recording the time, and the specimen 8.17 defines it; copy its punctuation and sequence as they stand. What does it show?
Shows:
12.22
